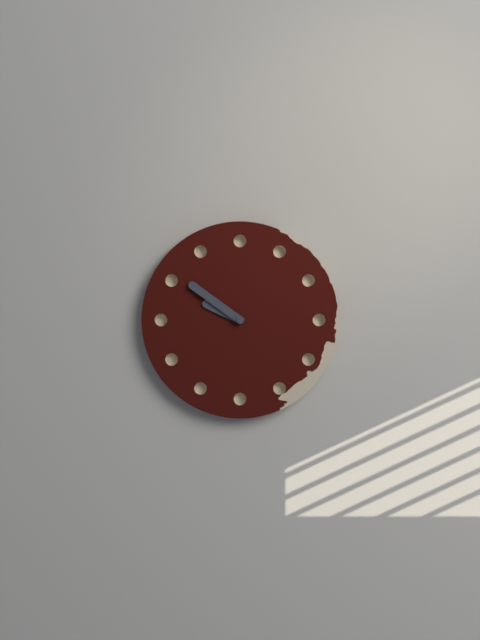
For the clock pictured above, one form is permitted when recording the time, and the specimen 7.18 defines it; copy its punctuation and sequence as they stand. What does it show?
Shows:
9.51
